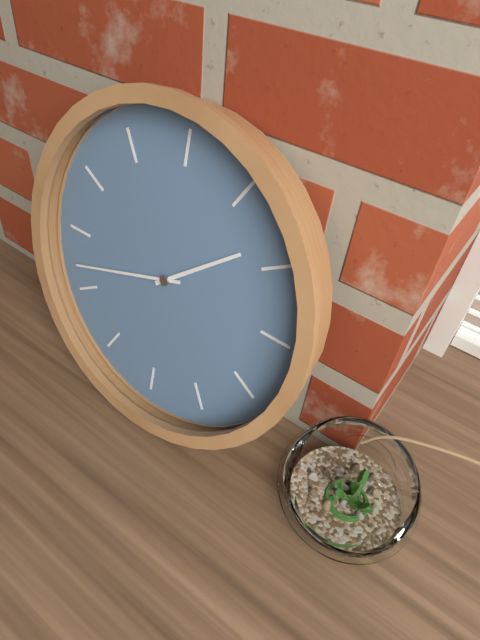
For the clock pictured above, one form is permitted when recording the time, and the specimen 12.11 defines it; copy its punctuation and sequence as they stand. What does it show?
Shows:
1.42
